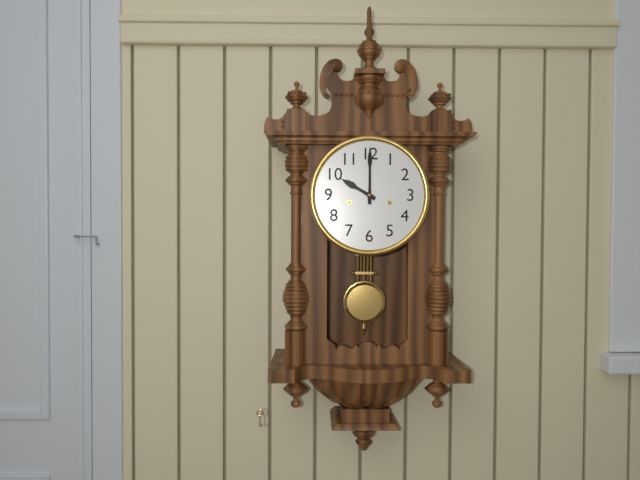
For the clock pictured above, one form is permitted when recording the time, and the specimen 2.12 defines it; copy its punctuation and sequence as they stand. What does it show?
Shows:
10.00
